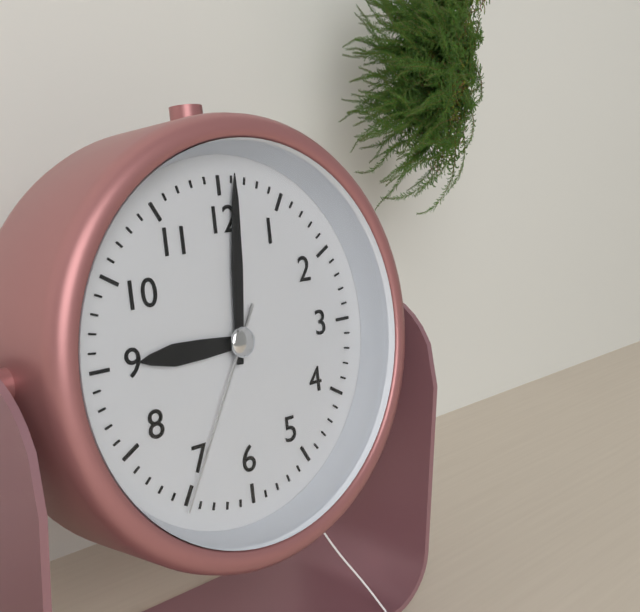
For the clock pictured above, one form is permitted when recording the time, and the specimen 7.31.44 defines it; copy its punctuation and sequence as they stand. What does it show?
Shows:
9.01.35
